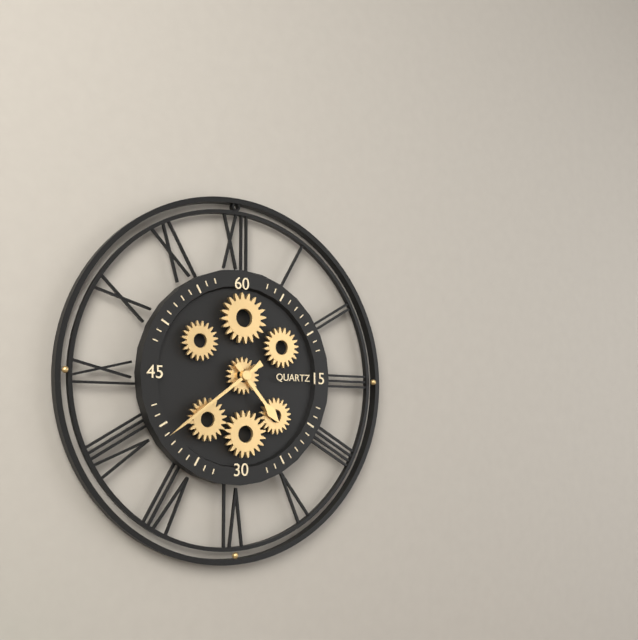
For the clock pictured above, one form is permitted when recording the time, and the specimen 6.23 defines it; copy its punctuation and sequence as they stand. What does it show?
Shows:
4.39
